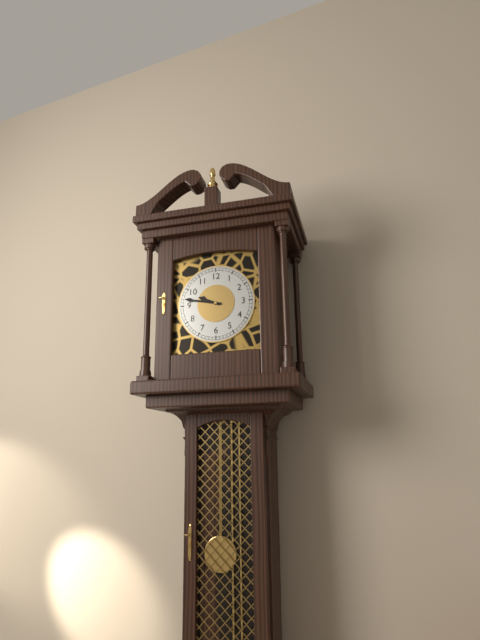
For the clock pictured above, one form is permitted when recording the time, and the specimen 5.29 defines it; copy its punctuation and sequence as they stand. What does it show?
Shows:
9.47
